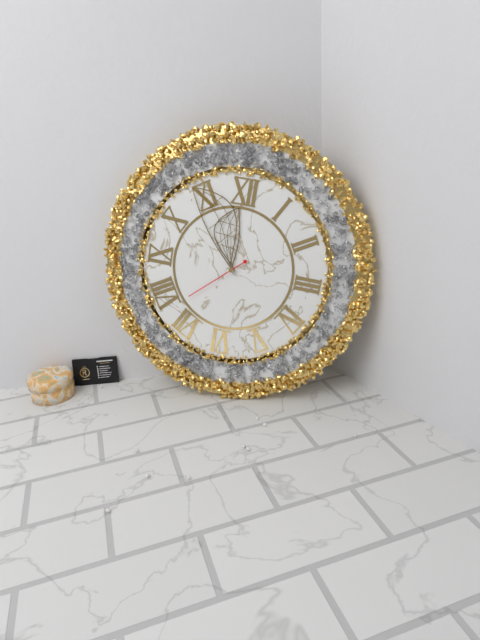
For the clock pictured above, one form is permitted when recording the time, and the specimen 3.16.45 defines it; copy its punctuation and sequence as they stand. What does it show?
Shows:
11.54.38
